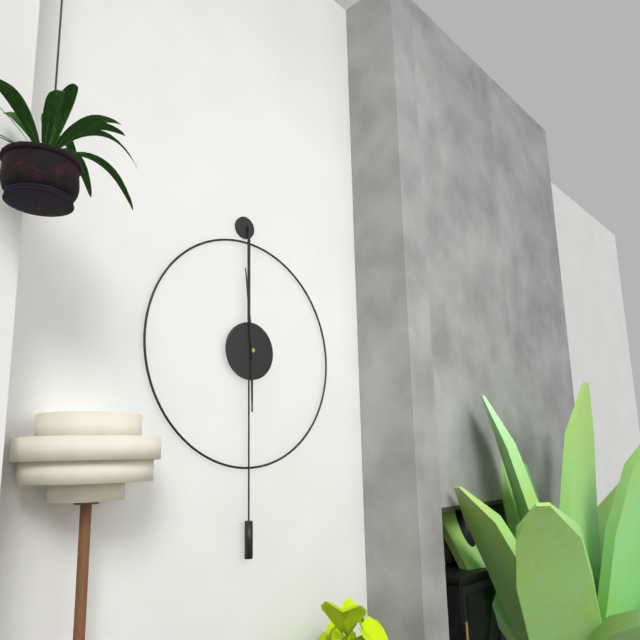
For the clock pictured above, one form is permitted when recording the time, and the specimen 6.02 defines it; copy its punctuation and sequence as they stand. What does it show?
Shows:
5.59
